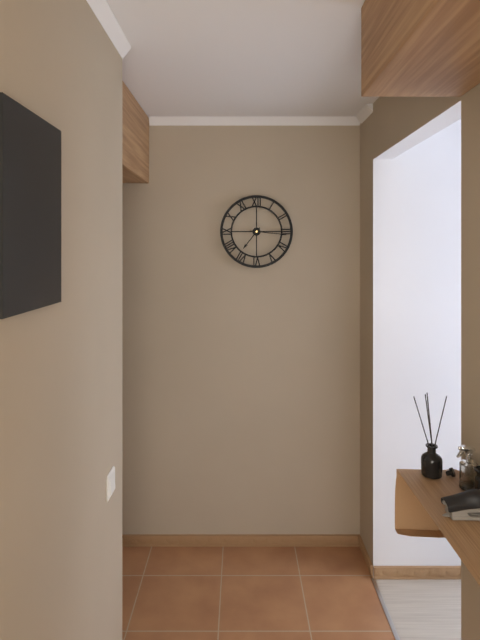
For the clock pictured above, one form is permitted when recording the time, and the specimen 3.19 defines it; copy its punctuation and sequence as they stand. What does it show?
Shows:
7.16
